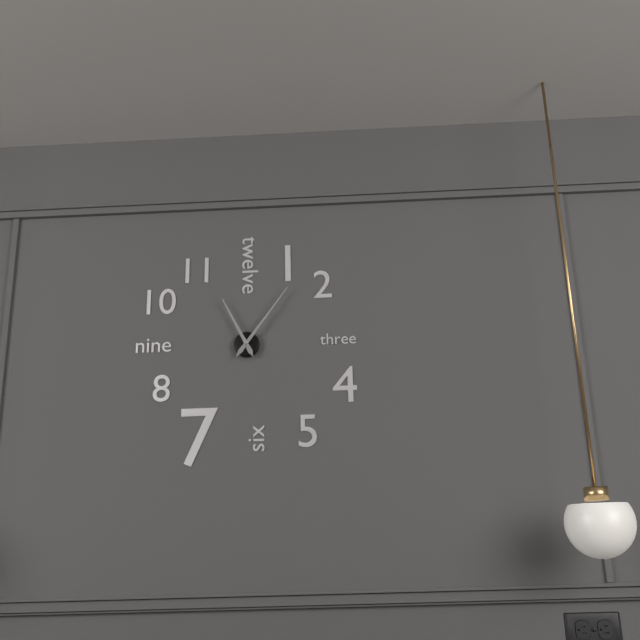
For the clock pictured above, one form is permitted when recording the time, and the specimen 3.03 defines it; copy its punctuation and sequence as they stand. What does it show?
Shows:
11.06
